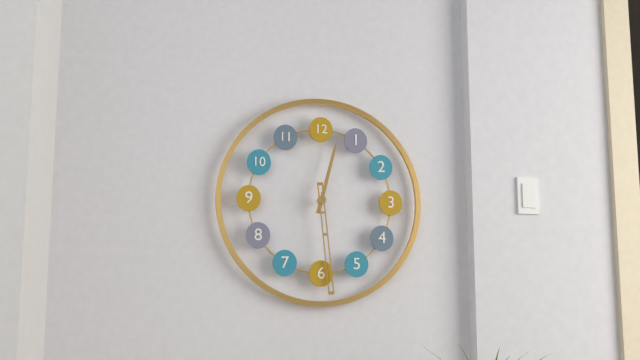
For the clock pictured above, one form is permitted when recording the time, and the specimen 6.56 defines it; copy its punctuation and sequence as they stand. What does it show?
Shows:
12.29
